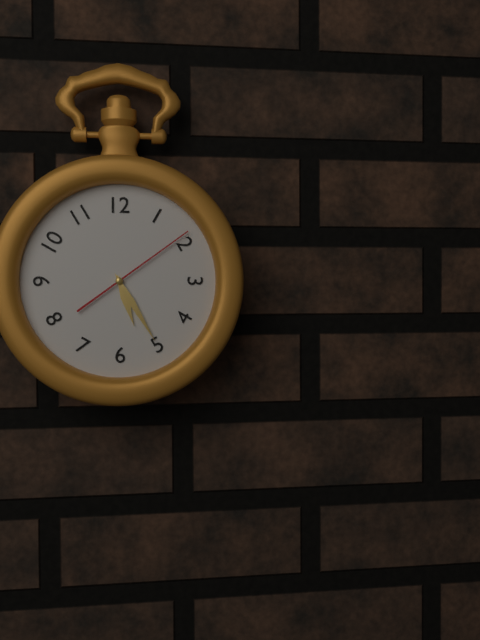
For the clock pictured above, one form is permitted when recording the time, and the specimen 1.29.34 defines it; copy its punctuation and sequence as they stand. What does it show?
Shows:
5.25.09
